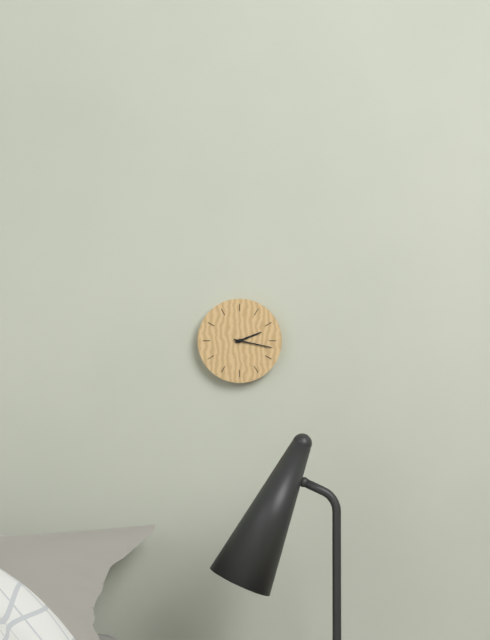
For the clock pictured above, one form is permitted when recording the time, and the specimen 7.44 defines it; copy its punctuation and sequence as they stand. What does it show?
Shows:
2.17
